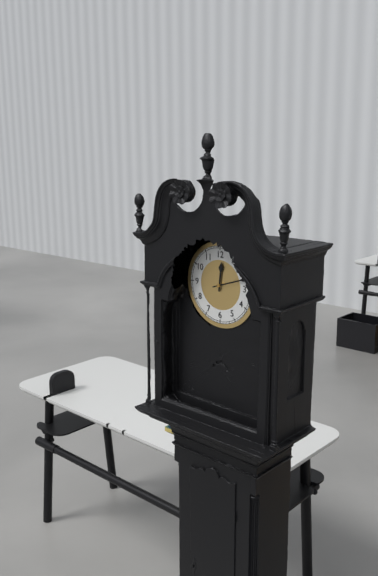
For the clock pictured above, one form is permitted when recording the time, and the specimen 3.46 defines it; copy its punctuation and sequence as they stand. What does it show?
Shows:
12.12
